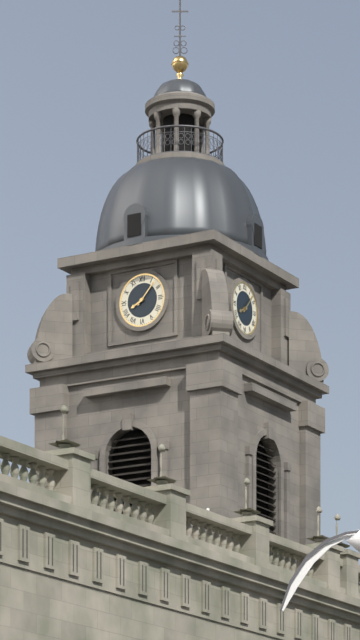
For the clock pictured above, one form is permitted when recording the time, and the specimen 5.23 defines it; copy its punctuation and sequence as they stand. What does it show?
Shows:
8.07
